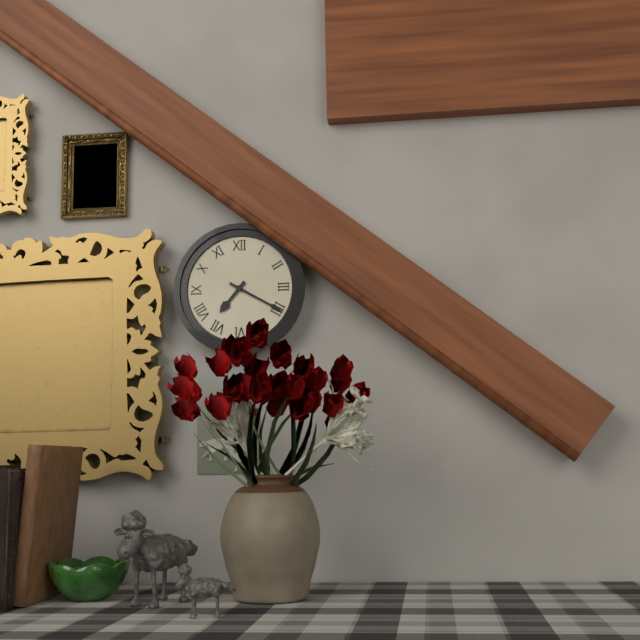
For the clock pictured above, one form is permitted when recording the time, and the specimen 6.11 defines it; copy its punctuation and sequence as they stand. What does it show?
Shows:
7.20
